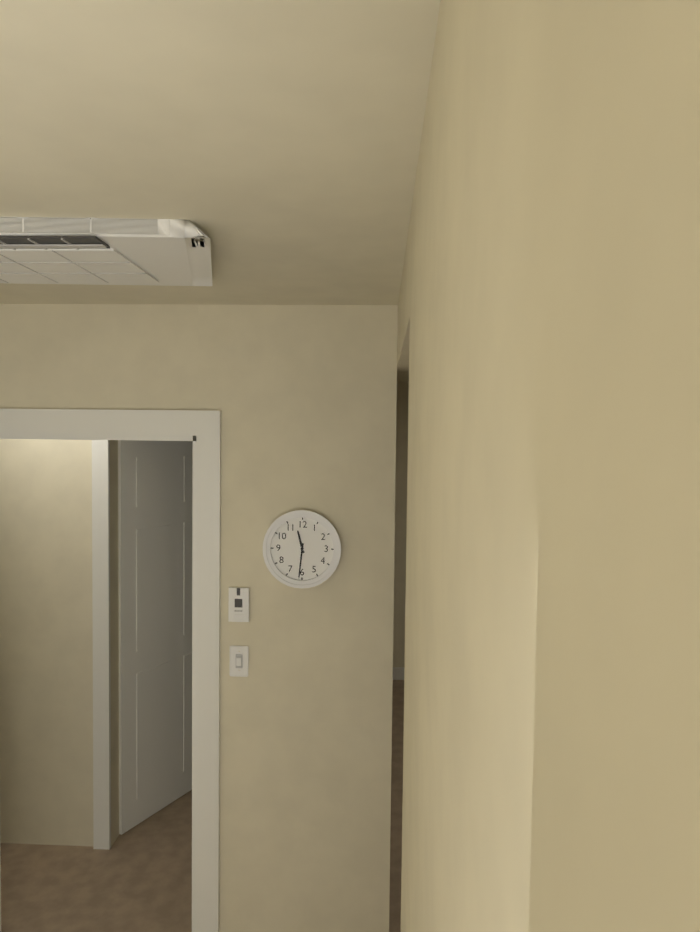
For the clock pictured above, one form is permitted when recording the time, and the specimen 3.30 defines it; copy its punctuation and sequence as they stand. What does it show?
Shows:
11.31
